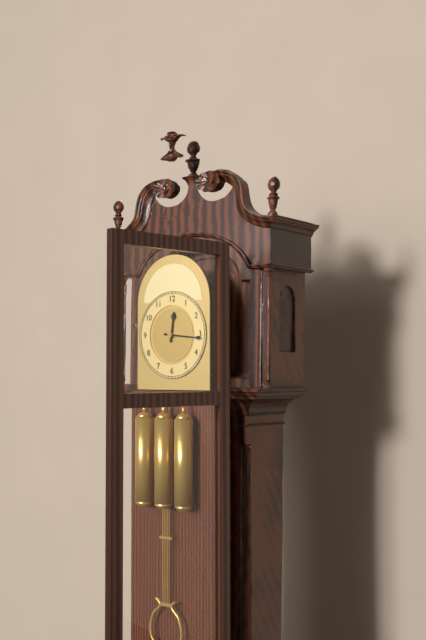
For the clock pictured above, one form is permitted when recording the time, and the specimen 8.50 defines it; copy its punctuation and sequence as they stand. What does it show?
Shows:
12.16
